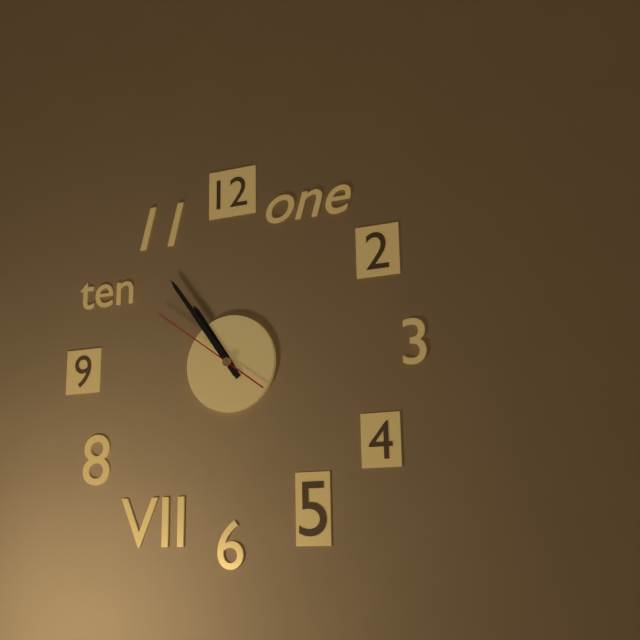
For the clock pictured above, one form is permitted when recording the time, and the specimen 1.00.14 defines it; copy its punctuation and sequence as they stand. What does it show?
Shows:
10.54.51
